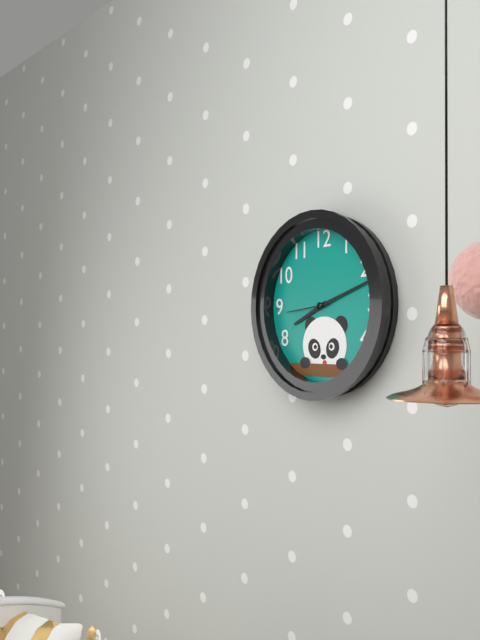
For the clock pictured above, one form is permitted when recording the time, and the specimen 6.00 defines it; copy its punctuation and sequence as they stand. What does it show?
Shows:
8.12
